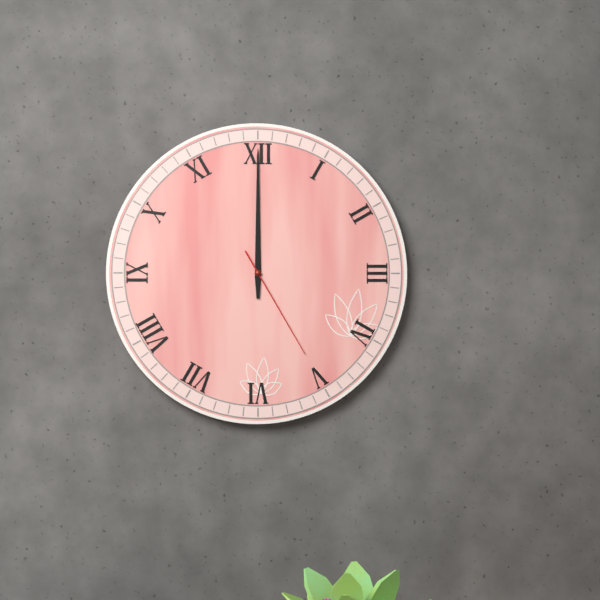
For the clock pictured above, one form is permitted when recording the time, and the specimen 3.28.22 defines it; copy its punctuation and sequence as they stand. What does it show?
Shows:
12.00.25
